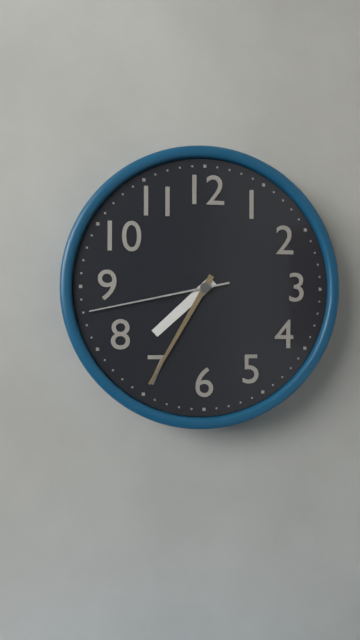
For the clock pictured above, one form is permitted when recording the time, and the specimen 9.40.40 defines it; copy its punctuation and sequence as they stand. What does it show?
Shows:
7.35.43
